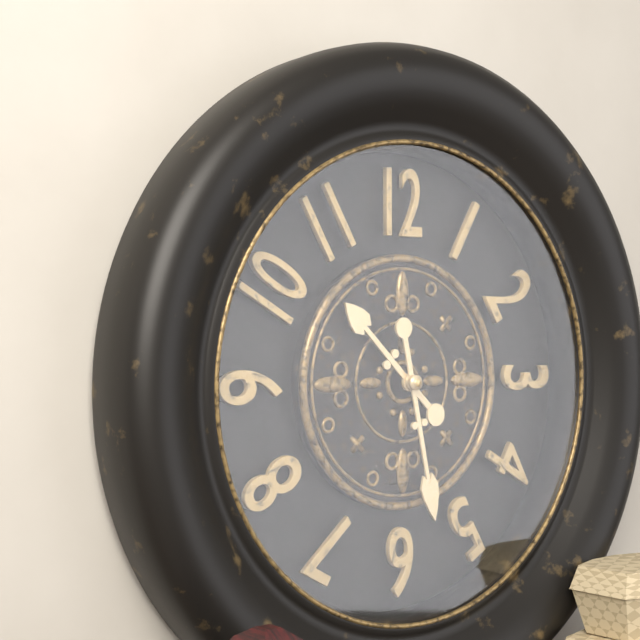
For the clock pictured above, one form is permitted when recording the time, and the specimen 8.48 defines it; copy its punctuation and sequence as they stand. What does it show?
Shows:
10.28
